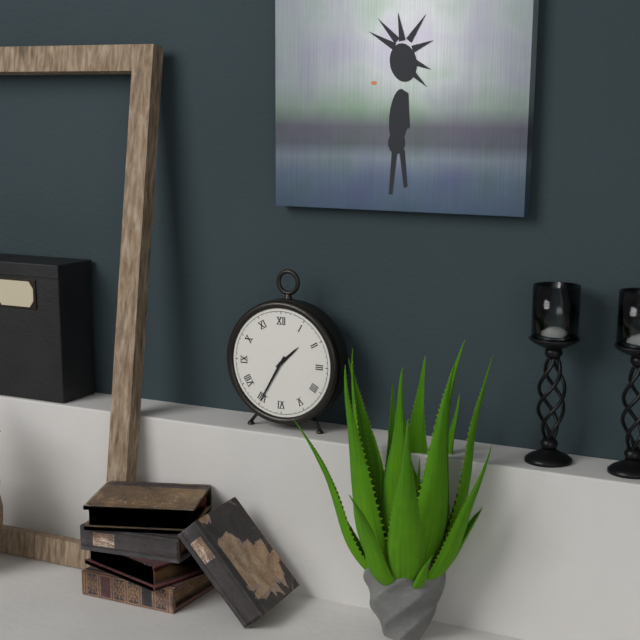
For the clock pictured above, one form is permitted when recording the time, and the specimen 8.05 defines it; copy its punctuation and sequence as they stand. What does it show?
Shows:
1.35
